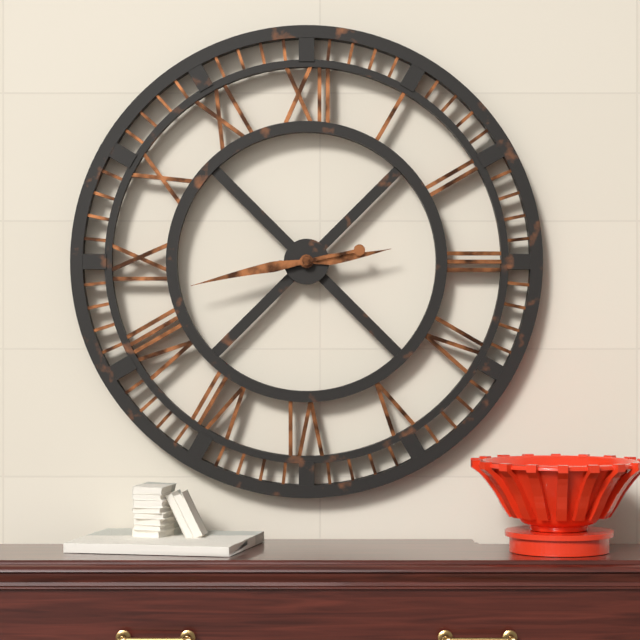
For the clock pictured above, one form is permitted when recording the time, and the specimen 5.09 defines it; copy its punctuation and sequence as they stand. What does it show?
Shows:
2.43
